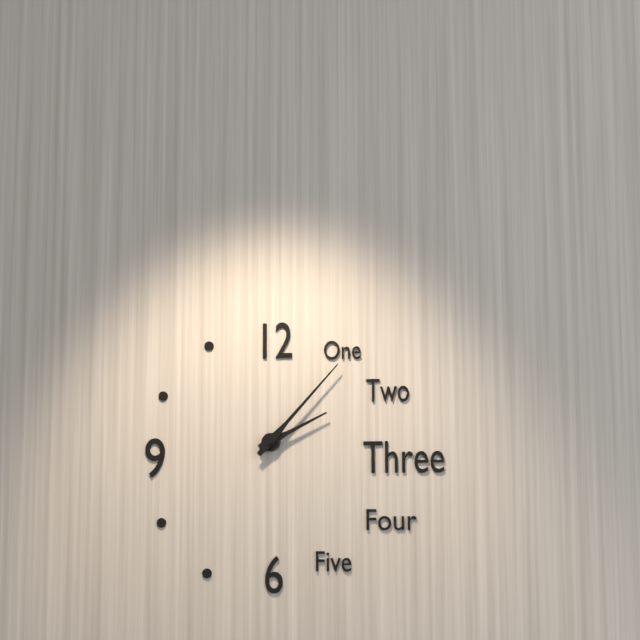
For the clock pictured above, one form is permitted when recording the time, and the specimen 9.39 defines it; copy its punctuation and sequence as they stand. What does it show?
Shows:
2.07
